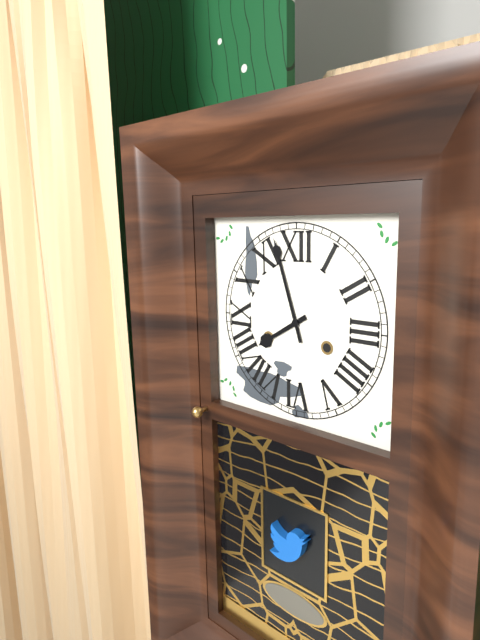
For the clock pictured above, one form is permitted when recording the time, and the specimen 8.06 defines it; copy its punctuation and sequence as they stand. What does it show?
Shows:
7.57
